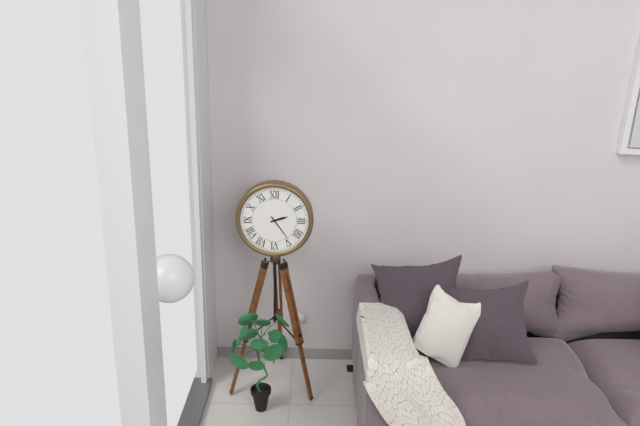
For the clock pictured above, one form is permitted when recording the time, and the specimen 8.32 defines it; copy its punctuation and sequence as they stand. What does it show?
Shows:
2.24
